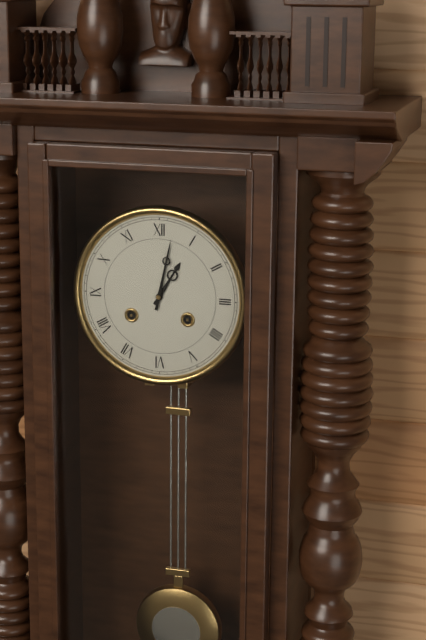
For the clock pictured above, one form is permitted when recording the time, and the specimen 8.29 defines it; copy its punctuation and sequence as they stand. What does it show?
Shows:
1.02
